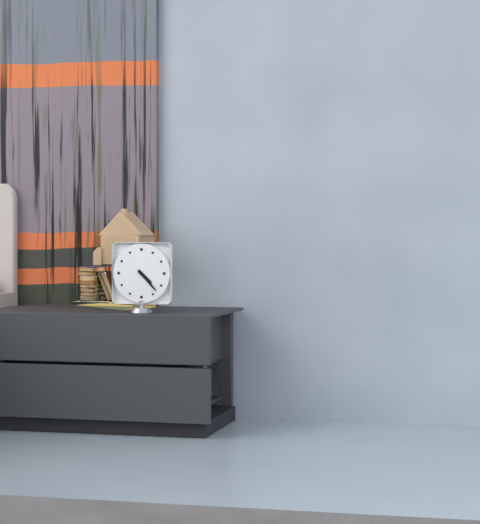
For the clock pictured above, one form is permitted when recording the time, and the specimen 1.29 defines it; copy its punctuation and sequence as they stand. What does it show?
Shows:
4.23
